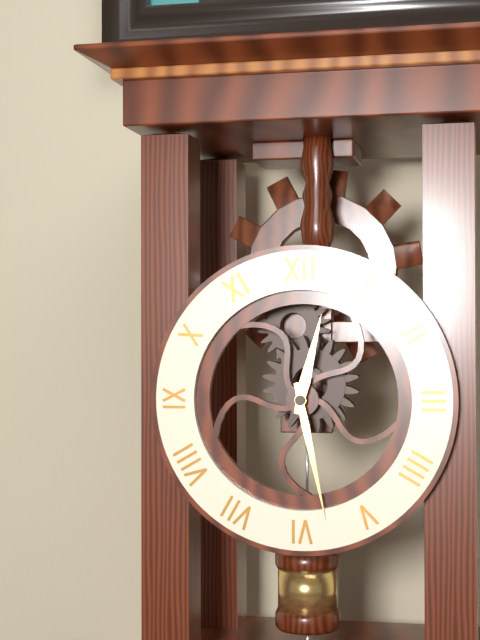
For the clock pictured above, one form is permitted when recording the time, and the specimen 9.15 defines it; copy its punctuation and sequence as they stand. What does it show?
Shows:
12.28
